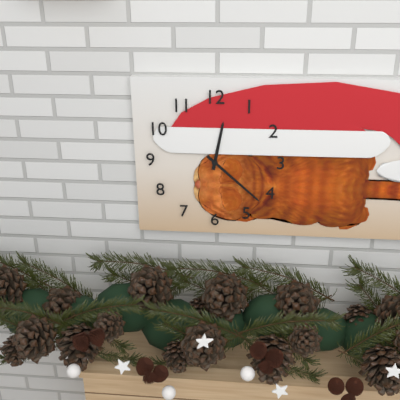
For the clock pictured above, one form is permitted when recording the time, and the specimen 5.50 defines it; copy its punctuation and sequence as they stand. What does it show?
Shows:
12.22
